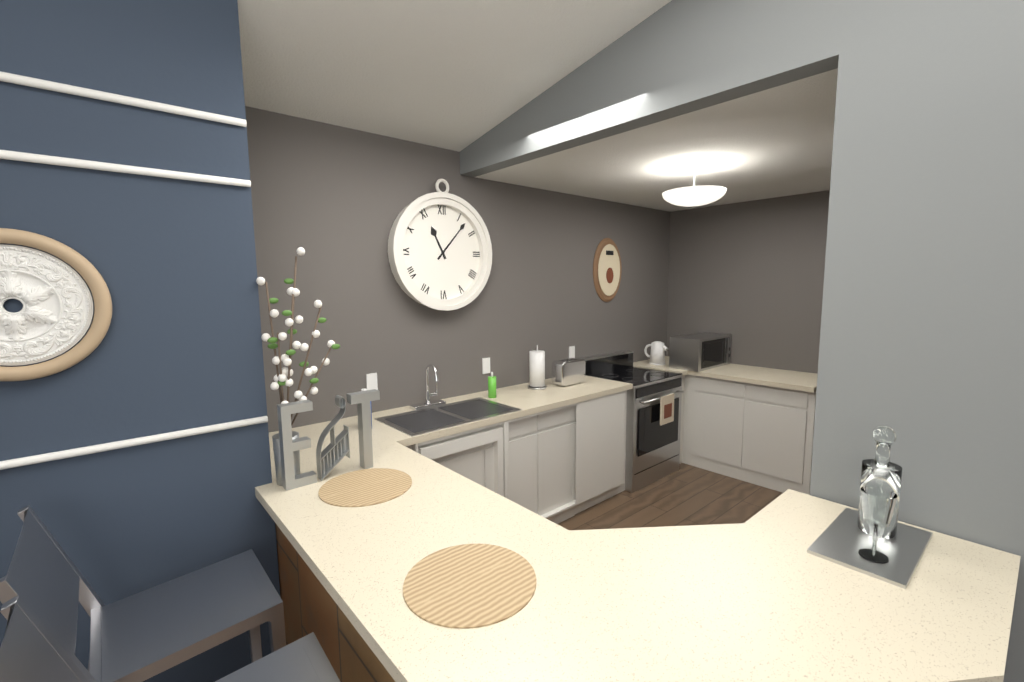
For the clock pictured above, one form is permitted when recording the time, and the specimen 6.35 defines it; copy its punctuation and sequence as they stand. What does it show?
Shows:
11.07
